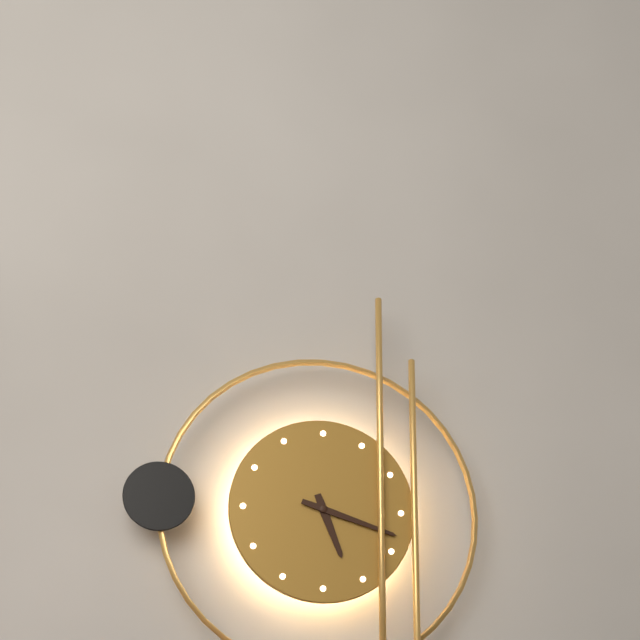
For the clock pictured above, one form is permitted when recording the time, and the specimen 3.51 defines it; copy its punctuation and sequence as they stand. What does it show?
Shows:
5.18
